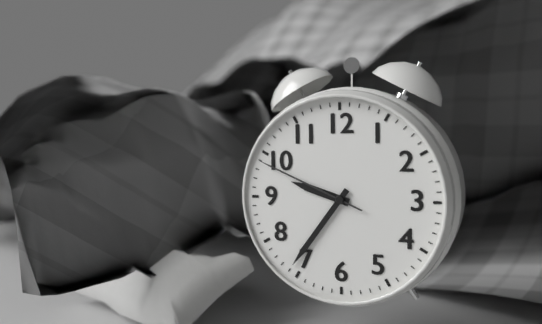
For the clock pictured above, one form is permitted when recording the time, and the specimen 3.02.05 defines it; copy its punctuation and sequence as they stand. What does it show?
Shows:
9.36.49
